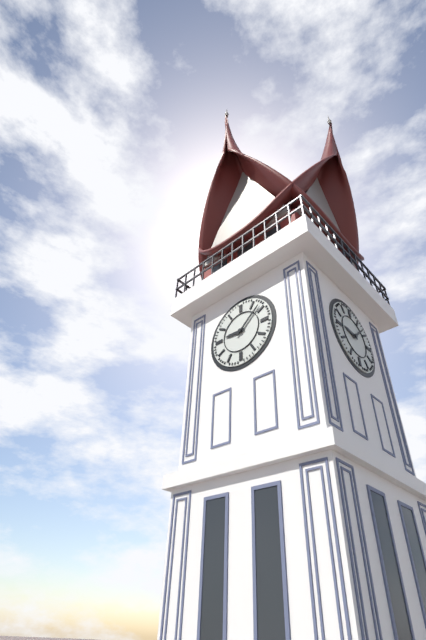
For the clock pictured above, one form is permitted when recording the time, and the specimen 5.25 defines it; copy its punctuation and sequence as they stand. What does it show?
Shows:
9.08
